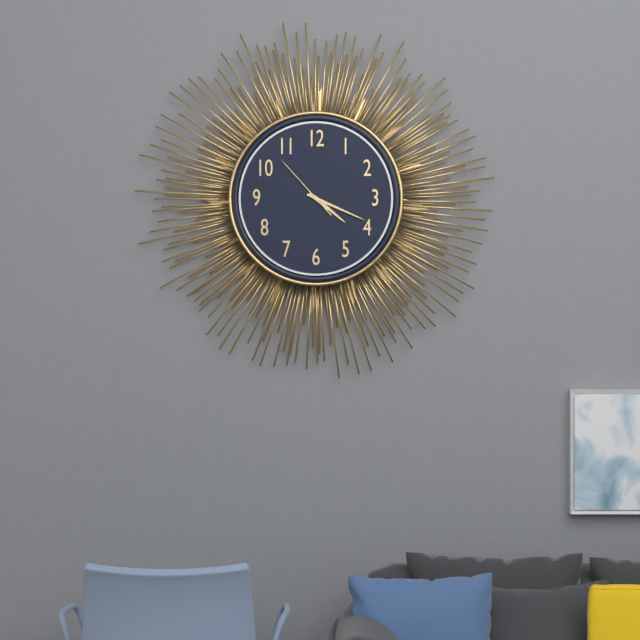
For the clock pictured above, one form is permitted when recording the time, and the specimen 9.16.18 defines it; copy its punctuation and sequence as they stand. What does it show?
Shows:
4.19.53
